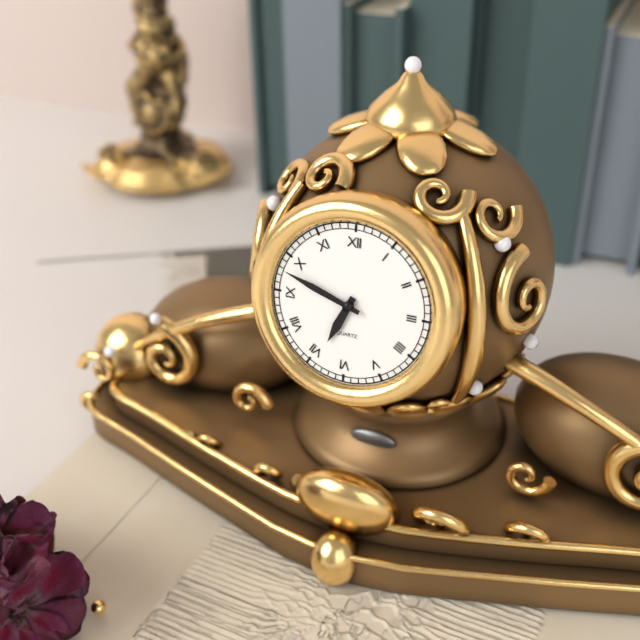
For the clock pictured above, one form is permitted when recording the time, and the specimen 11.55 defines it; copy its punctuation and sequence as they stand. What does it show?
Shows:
6.48
